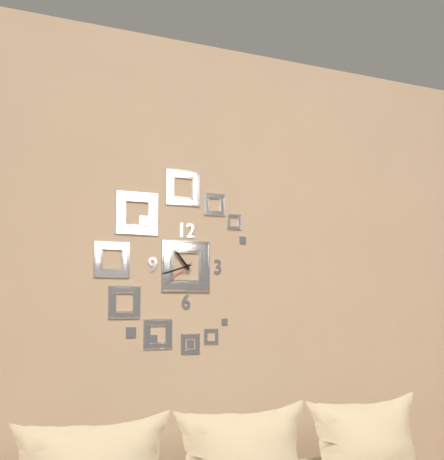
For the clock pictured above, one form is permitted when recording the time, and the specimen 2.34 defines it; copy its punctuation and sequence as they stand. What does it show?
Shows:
10.42
